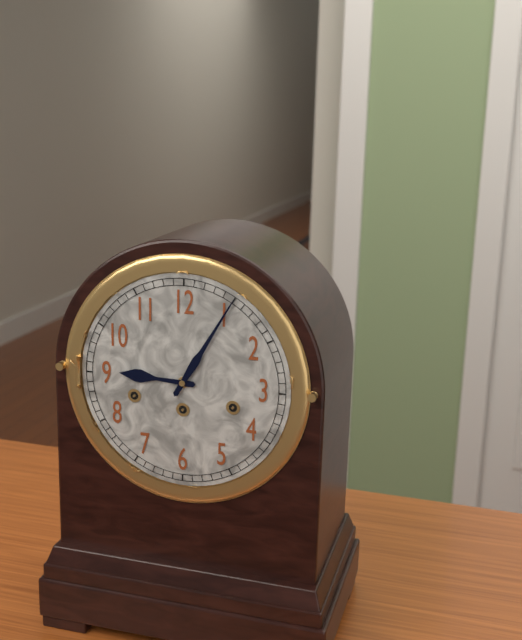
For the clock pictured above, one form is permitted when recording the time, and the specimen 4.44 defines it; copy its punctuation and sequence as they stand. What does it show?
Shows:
9.05
